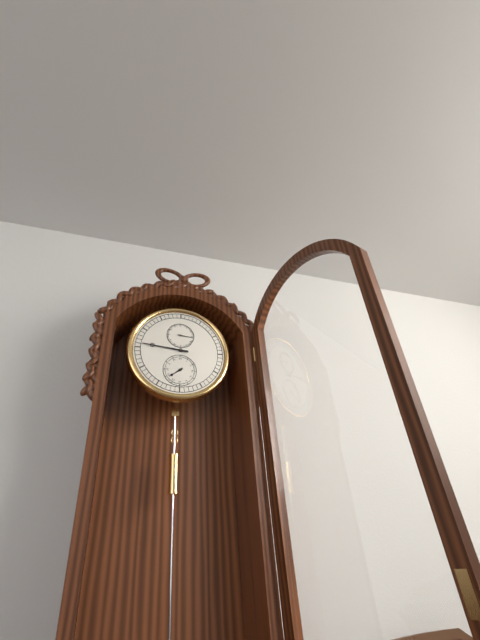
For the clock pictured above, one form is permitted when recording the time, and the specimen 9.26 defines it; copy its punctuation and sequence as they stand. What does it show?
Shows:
7.46
